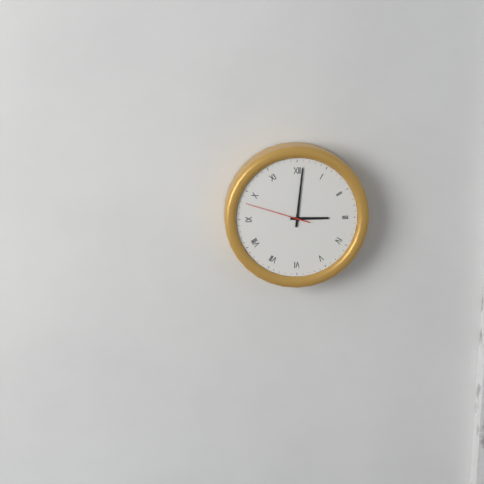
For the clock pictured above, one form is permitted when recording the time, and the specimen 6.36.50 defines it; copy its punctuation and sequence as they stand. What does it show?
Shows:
3.01.48
